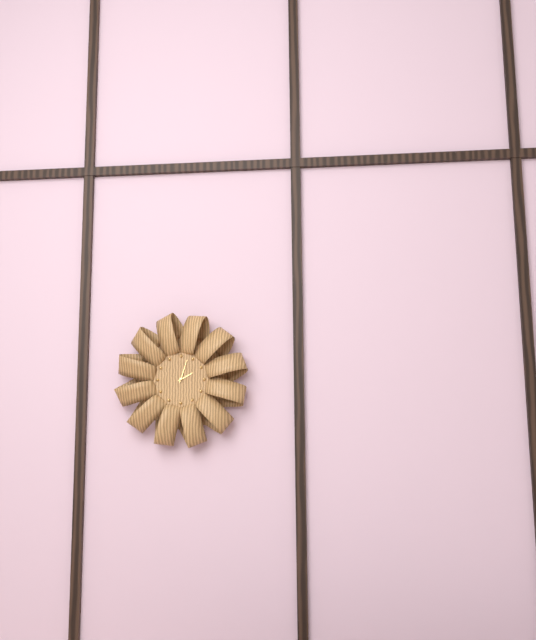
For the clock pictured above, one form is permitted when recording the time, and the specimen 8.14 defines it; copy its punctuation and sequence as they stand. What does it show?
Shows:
2.03
